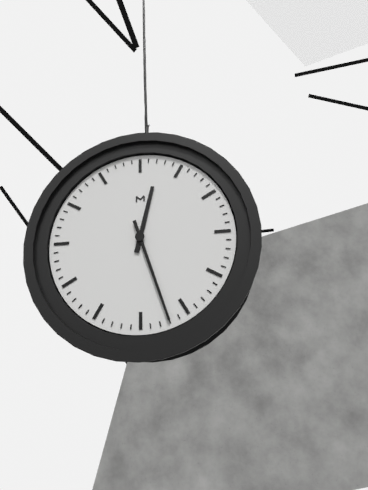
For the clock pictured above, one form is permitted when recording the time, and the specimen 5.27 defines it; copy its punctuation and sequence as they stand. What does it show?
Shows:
12.27
